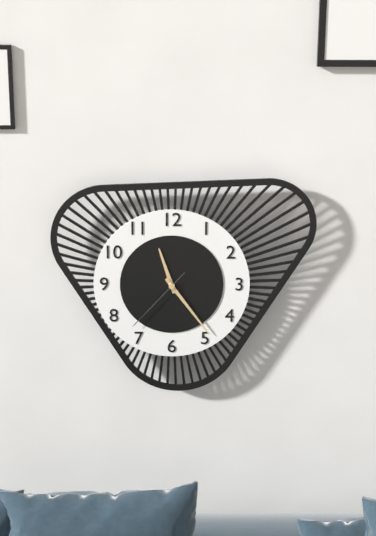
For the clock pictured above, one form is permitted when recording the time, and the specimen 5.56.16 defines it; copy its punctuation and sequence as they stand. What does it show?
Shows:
11.24.37
